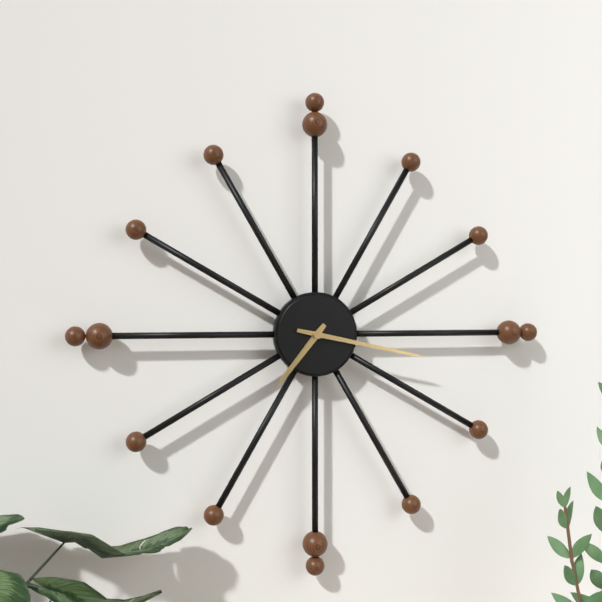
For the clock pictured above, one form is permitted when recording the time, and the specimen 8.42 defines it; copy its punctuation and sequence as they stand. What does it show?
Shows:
7.17
